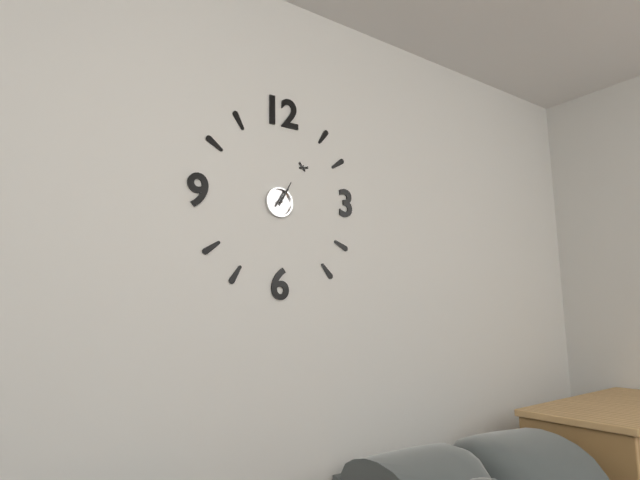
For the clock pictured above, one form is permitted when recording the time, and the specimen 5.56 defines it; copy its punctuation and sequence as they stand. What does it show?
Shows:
1.05
